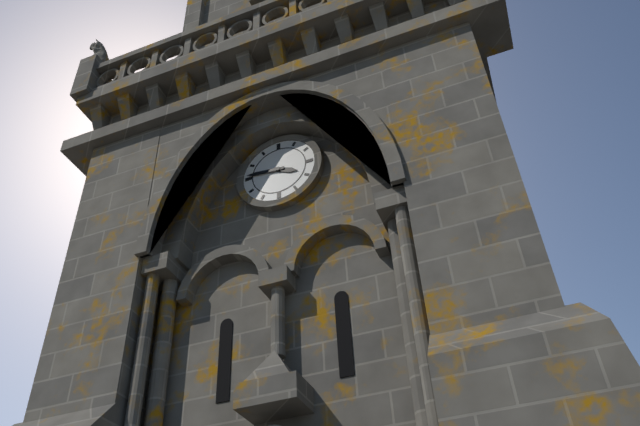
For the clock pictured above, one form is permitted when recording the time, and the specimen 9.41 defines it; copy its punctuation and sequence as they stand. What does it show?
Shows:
3.46
